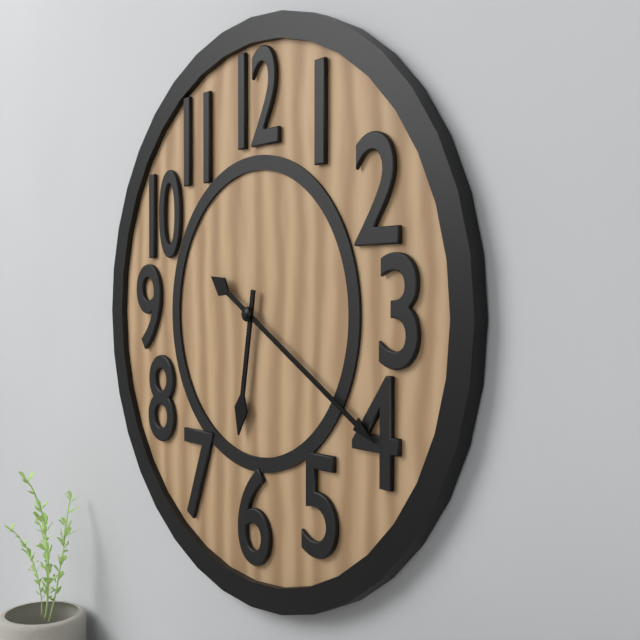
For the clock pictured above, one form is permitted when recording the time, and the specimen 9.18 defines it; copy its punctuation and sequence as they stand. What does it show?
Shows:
6.20
